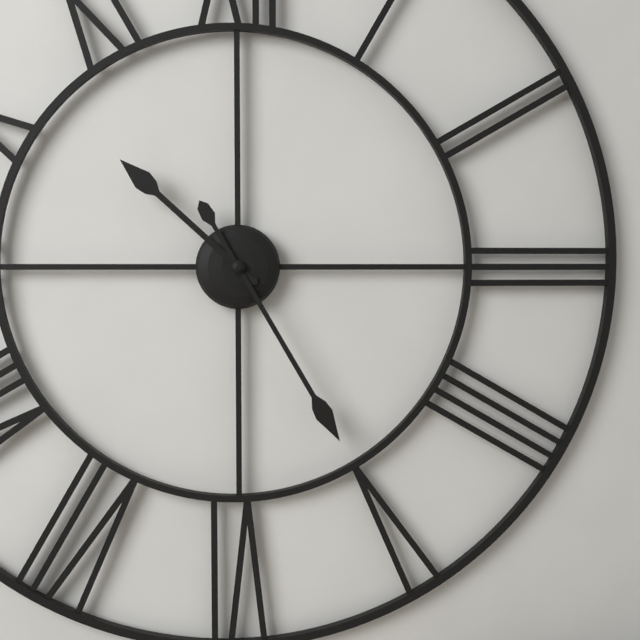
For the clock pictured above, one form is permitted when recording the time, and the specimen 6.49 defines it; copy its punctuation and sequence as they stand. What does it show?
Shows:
10.25
